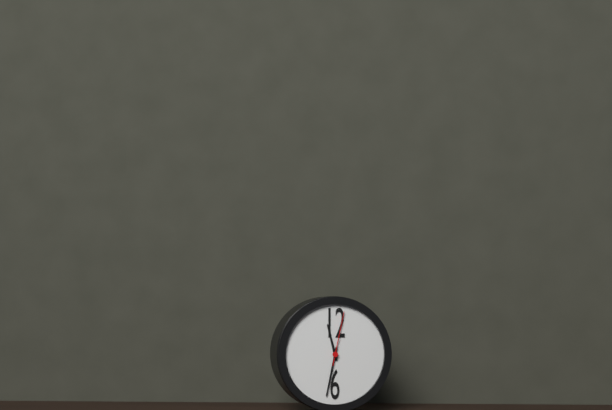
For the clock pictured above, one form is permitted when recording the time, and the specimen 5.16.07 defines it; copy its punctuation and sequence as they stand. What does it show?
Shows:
11.32.02
